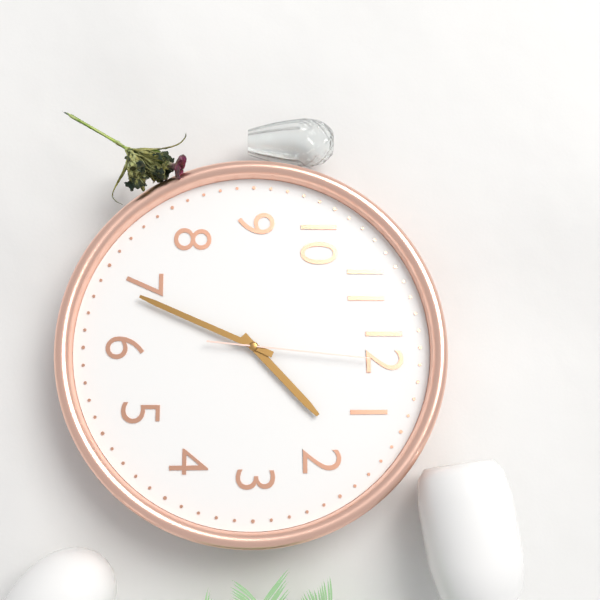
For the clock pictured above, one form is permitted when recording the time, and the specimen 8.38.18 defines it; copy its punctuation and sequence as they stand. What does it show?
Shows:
1.34.01
